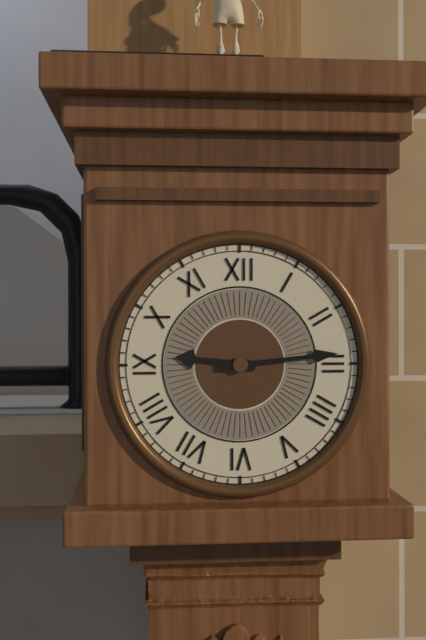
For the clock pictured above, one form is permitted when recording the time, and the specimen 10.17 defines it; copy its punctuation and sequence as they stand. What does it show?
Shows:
9.14
